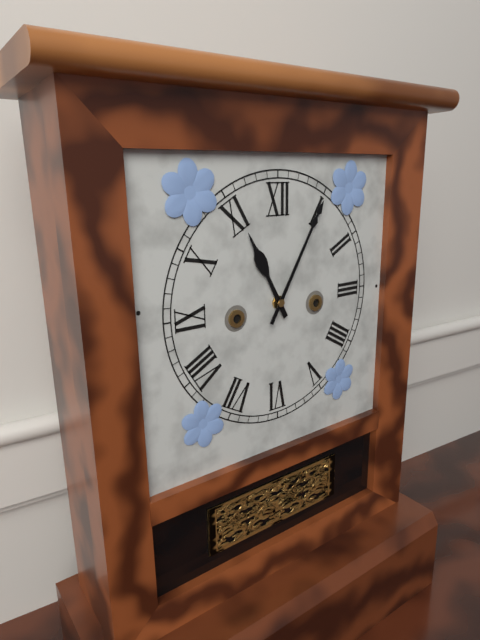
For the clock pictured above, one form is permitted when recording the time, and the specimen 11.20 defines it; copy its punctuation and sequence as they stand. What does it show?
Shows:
11.05
